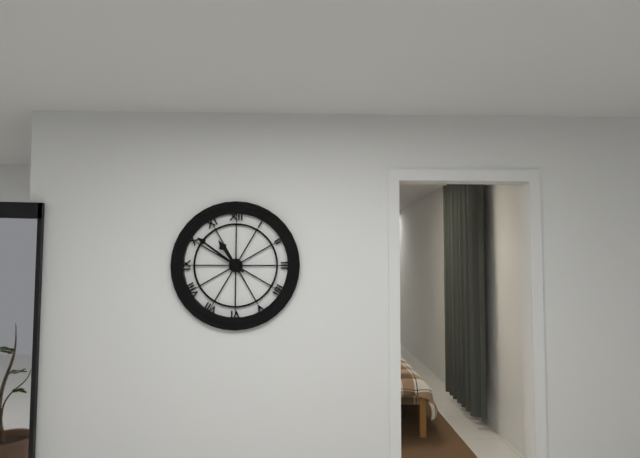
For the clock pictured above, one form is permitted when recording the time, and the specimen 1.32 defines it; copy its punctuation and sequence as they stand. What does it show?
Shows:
10.51
